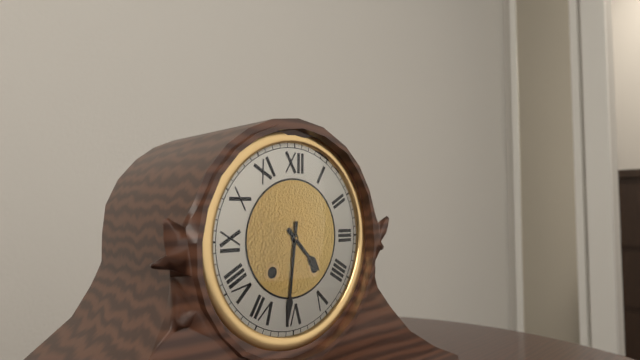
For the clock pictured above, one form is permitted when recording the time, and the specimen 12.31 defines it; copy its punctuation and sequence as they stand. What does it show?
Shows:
4.31
